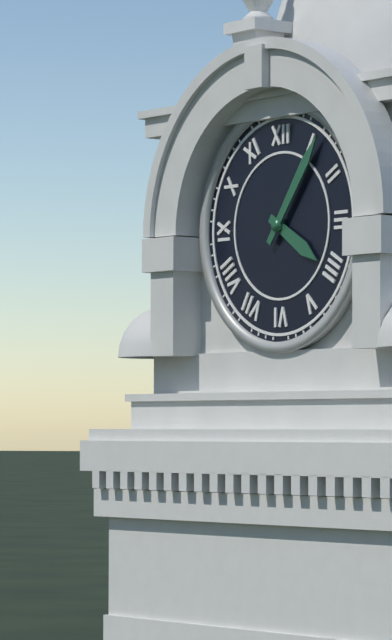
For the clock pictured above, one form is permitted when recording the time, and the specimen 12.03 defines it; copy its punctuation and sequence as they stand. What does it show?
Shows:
4.06
